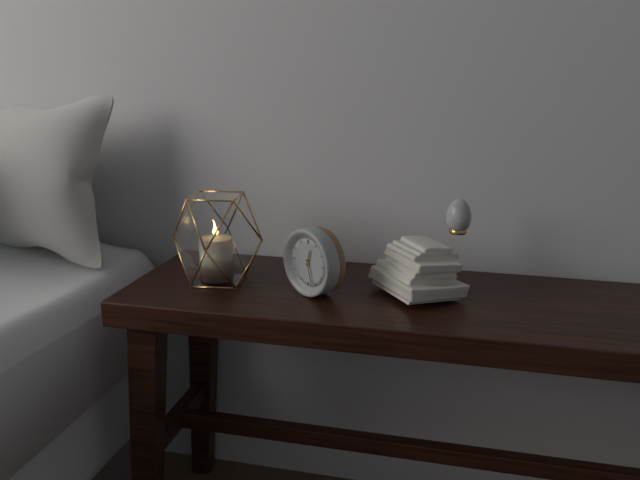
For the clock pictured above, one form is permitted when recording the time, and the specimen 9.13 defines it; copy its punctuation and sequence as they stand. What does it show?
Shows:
12.27
